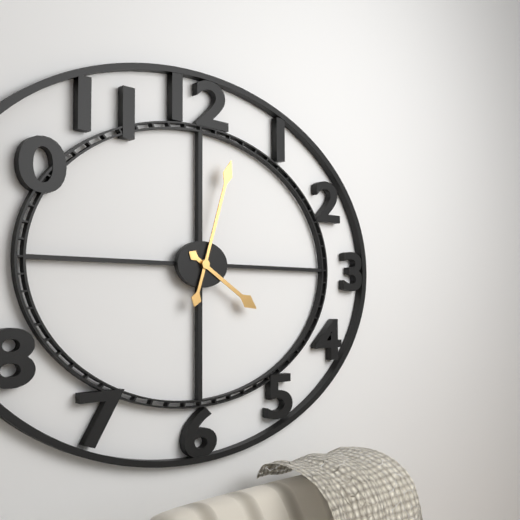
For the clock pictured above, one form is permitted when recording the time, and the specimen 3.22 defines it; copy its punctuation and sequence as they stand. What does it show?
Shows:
4.03
